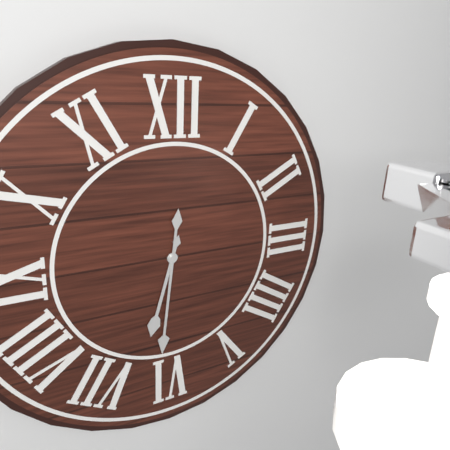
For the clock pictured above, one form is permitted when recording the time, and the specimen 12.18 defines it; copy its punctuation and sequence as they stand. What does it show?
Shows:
6.31
